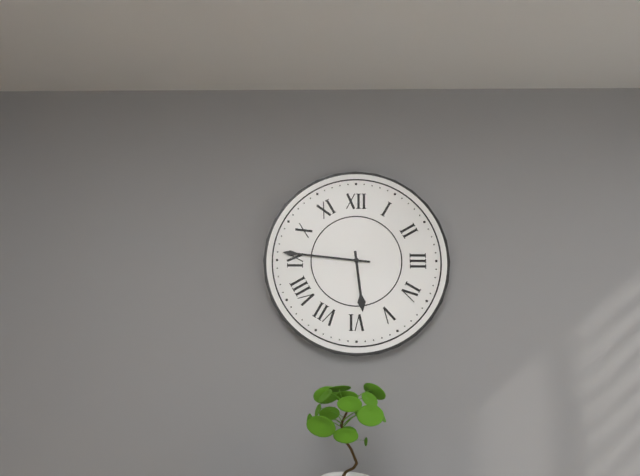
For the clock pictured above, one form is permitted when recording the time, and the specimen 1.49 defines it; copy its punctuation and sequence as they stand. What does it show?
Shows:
5.46
